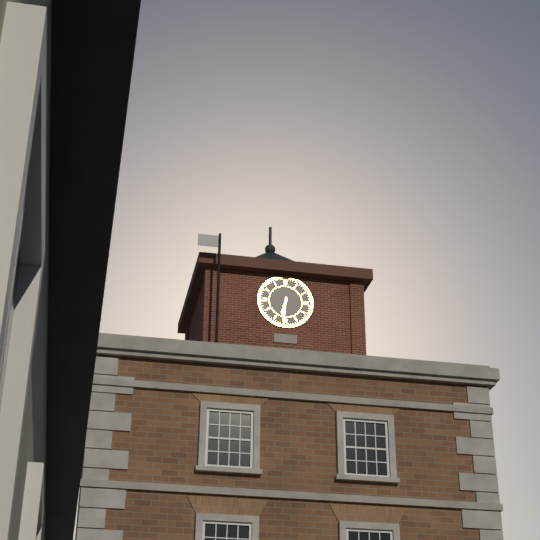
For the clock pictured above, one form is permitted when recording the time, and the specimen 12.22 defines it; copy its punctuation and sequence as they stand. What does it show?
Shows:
6.31
